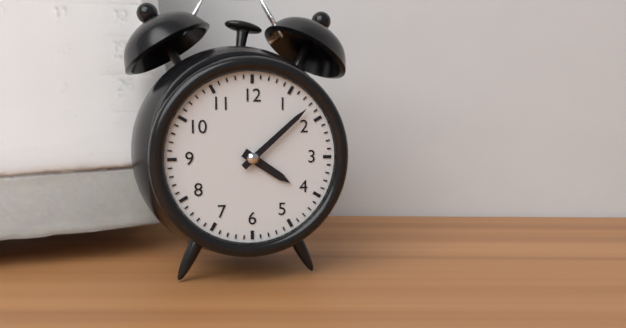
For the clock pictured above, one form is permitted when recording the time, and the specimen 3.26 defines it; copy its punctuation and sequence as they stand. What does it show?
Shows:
4.08
